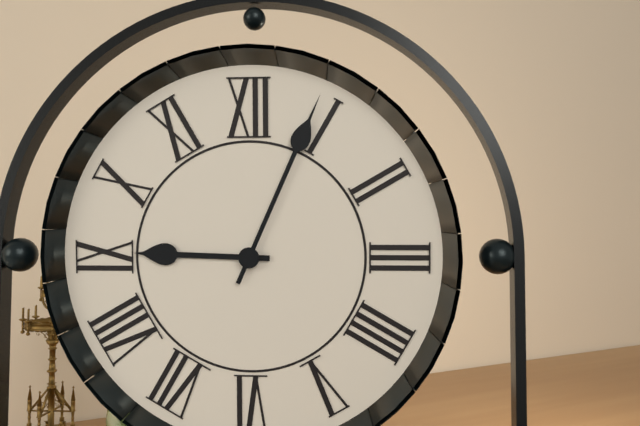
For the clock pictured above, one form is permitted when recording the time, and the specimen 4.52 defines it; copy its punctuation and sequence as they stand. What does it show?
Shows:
9.04
